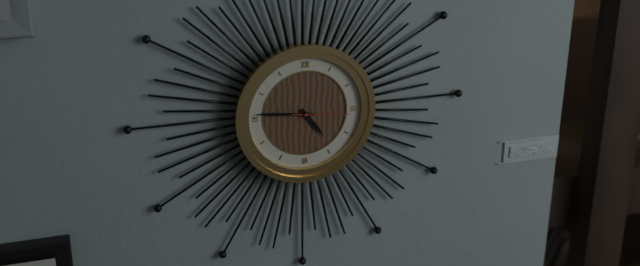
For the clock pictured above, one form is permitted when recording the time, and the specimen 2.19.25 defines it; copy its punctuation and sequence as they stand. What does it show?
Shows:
4.46.16
